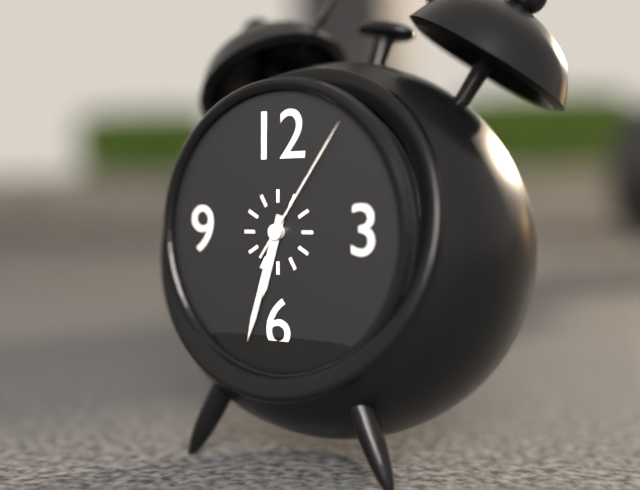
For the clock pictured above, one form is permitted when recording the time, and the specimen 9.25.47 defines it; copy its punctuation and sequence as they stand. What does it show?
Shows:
6.33.06
